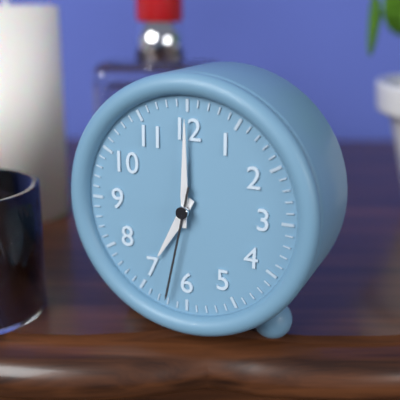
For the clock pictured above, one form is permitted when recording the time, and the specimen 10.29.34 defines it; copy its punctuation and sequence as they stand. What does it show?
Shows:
7.00.32
